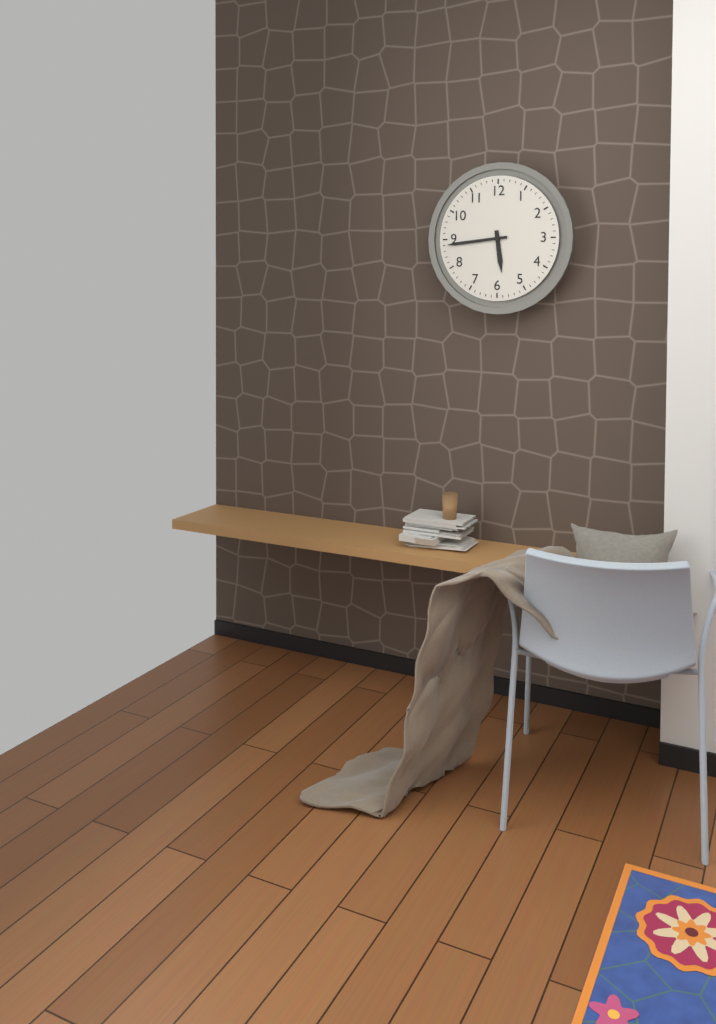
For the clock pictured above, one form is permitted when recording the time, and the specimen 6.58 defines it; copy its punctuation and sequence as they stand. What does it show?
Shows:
5.44
